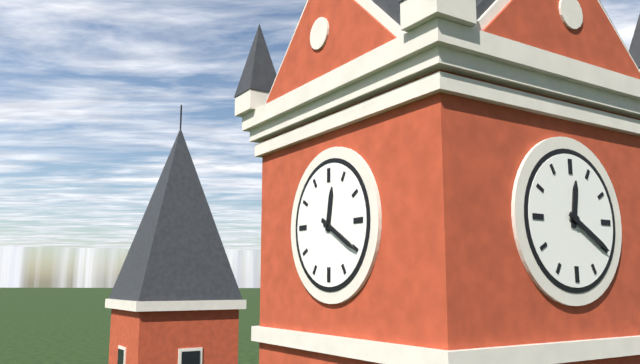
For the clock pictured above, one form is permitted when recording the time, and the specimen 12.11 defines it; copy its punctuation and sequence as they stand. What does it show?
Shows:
12.20
